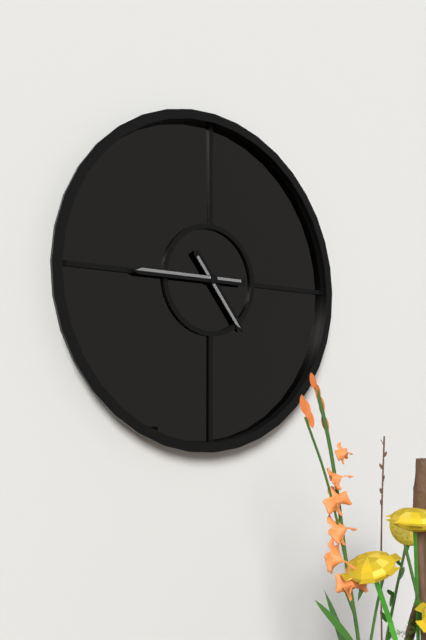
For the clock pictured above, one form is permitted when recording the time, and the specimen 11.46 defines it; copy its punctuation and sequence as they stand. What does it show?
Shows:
4.45
